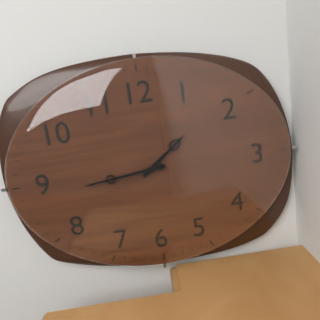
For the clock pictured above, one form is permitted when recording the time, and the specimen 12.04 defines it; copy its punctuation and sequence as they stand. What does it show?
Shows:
1.44
